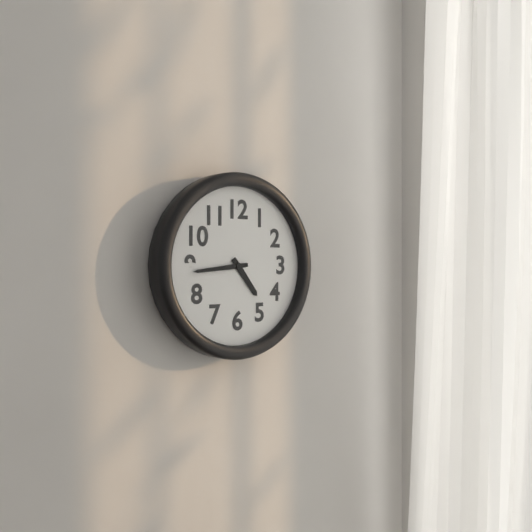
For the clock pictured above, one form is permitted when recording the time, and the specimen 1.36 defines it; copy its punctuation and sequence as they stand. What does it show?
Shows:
4.44
